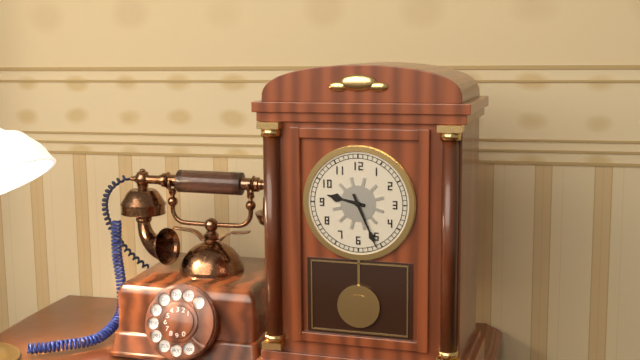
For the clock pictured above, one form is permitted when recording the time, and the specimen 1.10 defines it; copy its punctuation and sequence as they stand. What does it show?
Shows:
9.26
